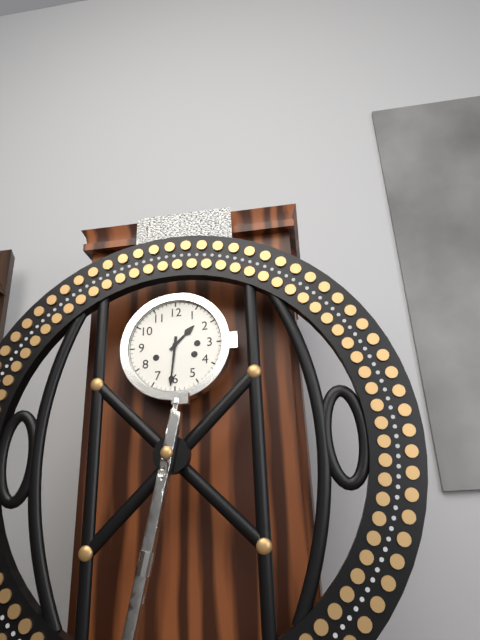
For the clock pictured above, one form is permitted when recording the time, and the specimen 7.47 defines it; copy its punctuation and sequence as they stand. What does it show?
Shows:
1.31
